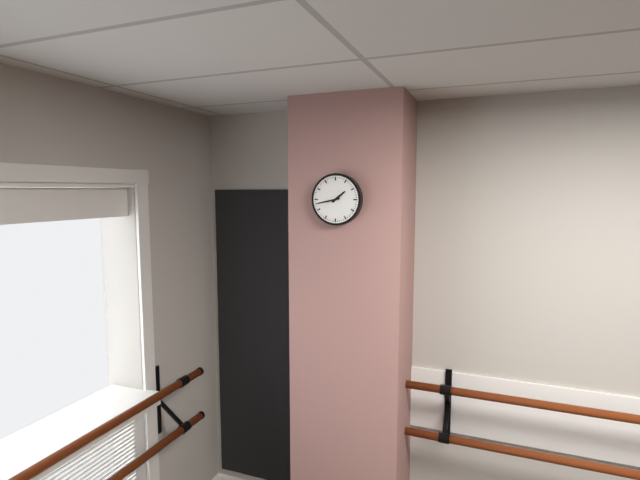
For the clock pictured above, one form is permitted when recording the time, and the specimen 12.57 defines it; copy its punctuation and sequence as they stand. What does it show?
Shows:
1.43
